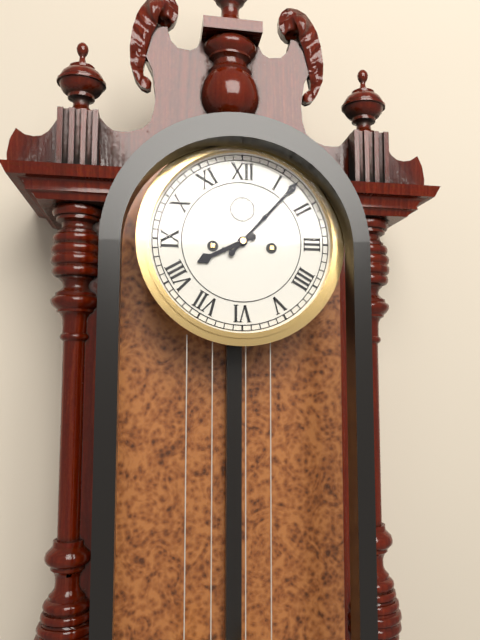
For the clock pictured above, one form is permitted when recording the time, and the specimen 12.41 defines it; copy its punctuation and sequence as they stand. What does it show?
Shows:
8.07
